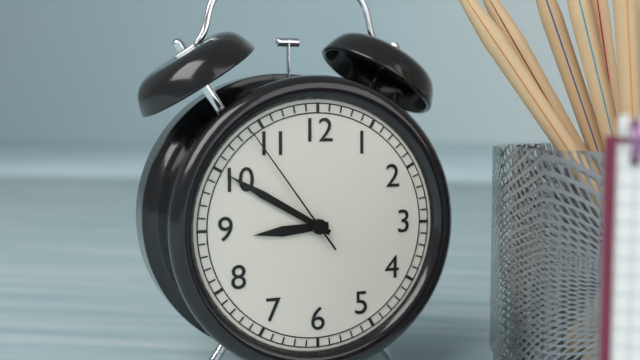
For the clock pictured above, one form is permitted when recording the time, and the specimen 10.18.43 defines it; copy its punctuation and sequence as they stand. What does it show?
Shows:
8.50.54
